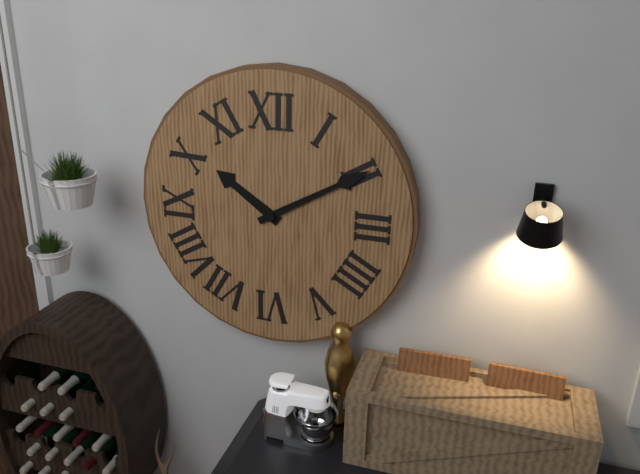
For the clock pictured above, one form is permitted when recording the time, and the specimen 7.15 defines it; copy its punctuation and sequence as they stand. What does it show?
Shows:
10.10
